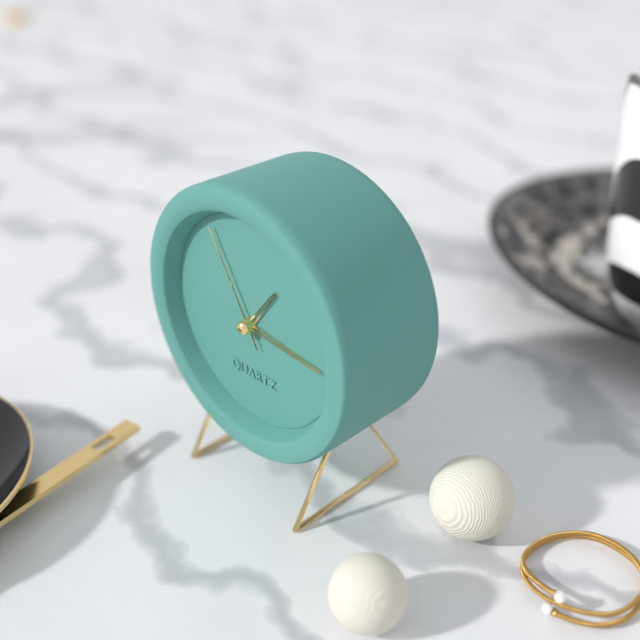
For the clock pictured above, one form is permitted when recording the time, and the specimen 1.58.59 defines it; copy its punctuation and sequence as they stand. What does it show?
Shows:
1.16.55
